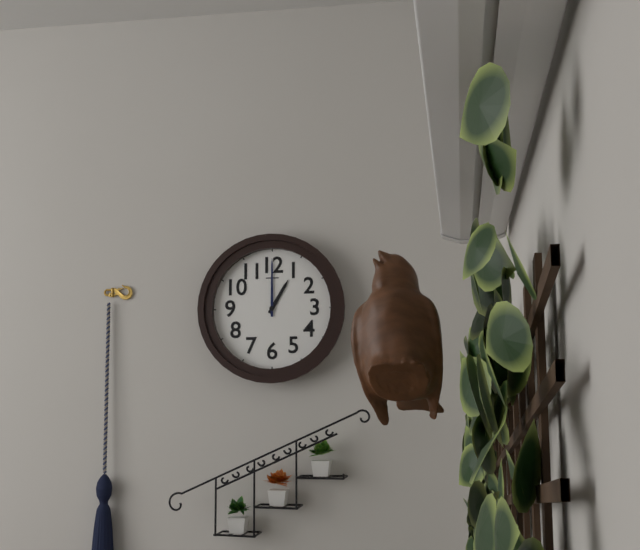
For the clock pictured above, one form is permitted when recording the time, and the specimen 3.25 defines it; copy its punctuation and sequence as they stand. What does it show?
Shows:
1.00
